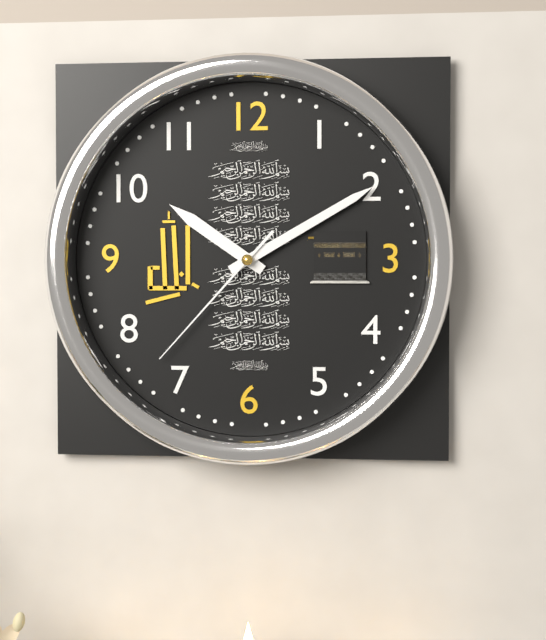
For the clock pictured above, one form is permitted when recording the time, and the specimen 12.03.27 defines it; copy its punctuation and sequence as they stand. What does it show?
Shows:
10.10.37
